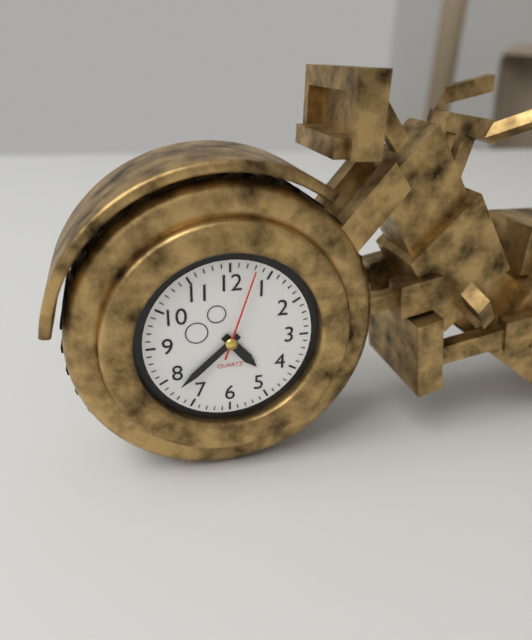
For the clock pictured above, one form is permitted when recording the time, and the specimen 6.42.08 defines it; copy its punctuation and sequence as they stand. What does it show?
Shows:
4.38.03
